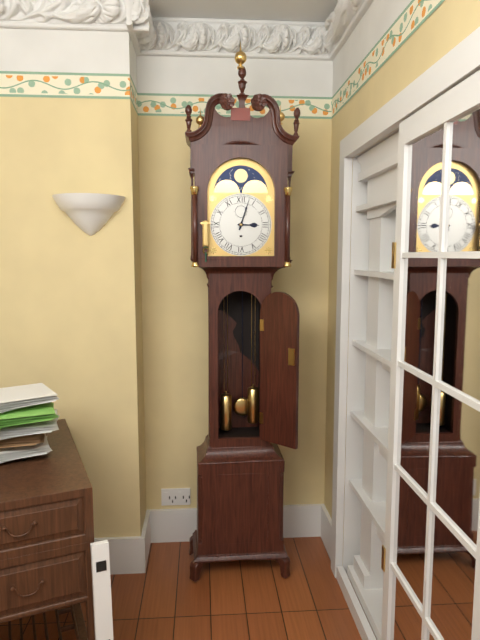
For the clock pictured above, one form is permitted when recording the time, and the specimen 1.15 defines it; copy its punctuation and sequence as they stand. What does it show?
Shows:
3.03
